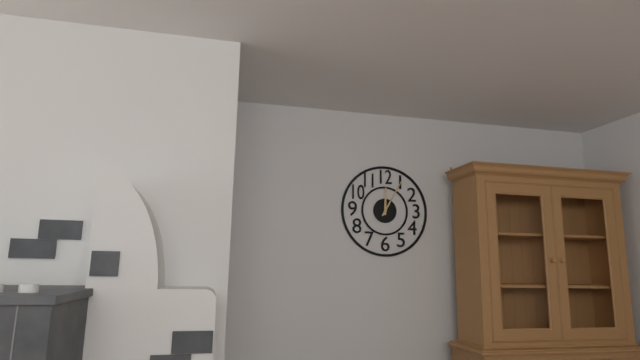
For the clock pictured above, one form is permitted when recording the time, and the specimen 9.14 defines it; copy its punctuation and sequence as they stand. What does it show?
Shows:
12.05
